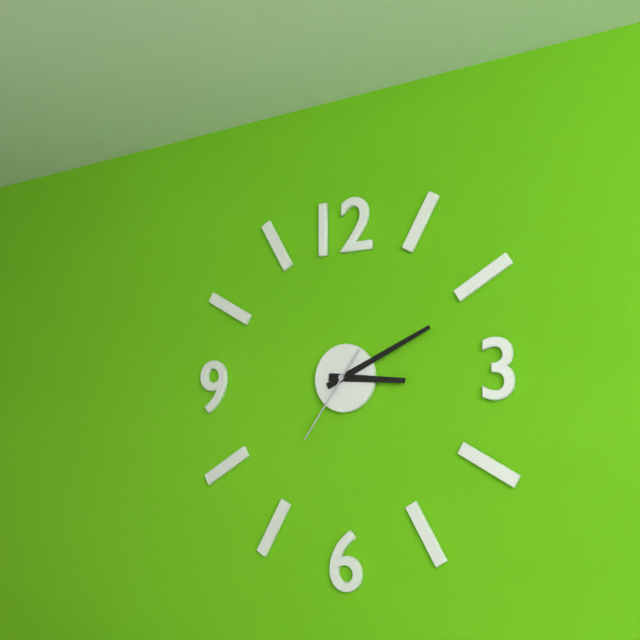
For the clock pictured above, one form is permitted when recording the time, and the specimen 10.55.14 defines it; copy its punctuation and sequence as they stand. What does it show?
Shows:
3.11.36
